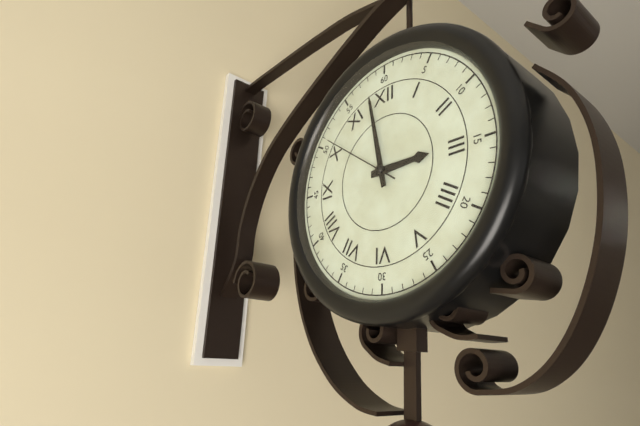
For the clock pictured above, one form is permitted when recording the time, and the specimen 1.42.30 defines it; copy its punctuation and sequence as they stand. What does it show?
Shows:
2.58.51
